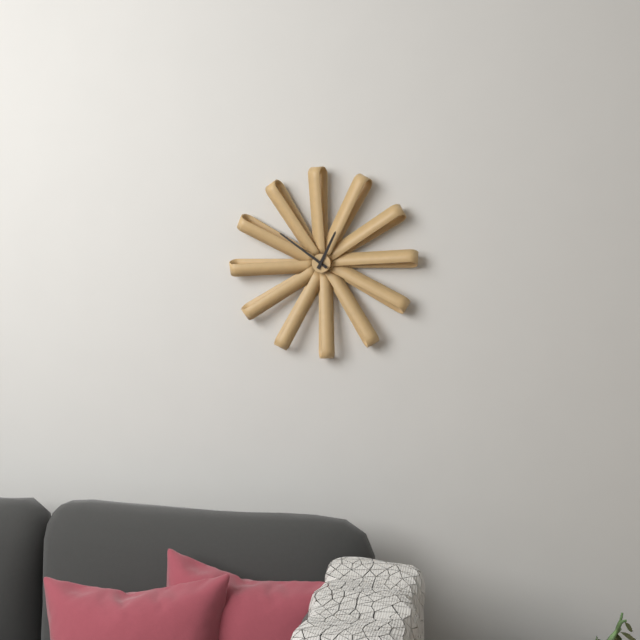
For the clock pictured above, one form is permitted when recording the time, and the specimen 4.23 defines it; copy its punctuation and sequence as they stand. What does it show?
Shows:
12.51
